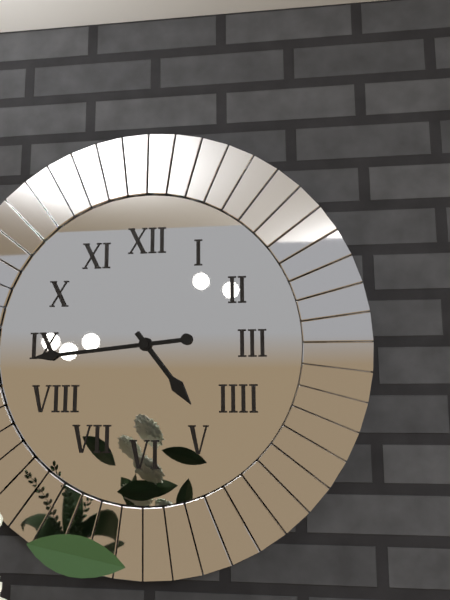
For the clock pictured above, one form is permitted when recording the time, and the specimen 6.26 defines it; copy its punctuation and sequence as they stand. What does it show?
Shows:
4.44
